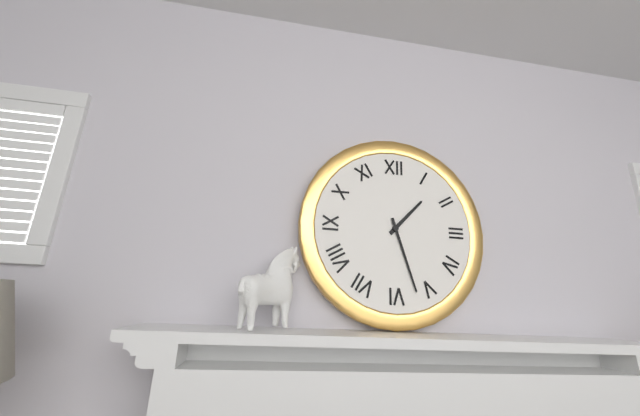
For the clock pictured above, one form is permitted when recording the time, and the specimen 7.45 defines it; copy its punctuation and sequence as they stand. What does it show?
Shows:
1.27
